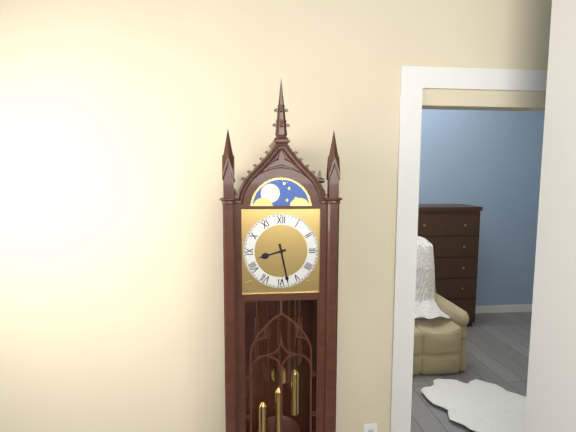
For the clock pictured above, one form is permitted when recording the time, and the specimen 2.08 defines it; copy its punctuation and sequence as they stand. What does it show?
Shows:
8.28
